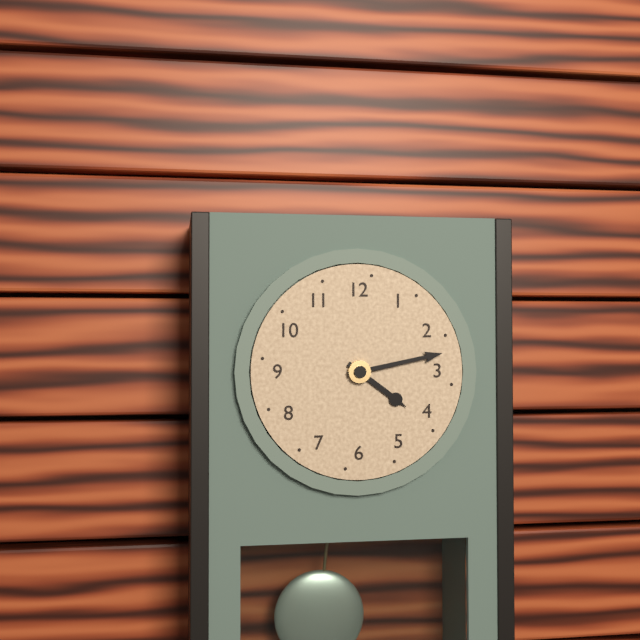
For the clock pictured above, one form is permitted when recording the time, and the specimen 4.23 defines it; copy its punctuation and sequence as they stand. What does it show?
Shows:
4.13
